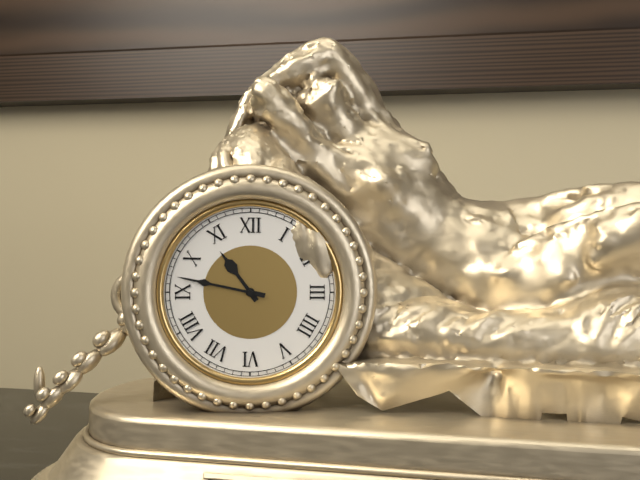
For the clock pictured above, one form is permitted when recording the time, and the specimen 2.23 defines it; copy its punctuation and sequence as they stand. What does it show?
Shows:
10.47
